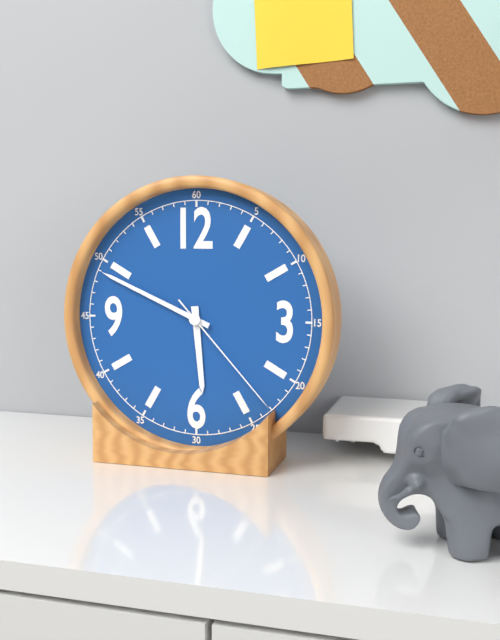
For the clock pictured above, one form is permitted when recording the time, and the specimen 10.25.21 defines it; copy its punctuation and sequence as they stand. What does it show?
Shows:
5.49.23
